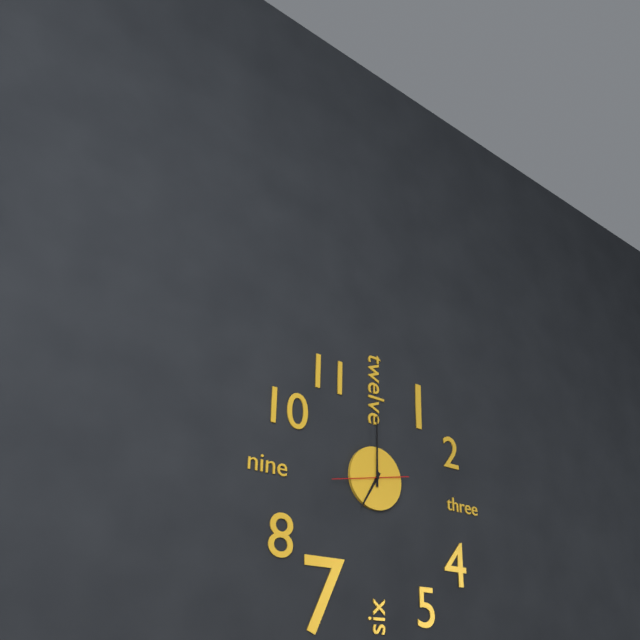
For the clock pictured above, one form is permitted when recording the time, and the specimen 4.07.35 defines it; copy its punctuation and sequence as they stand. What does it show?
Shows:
7.00.43
